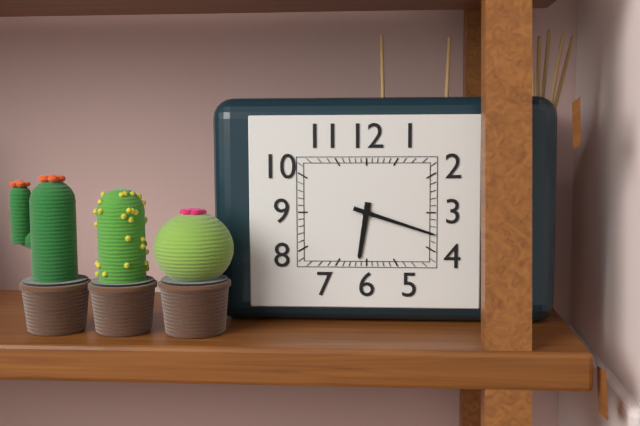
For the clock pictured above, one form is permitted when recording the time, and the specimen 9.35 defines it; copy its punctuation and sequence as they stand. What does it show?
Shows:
6.18
